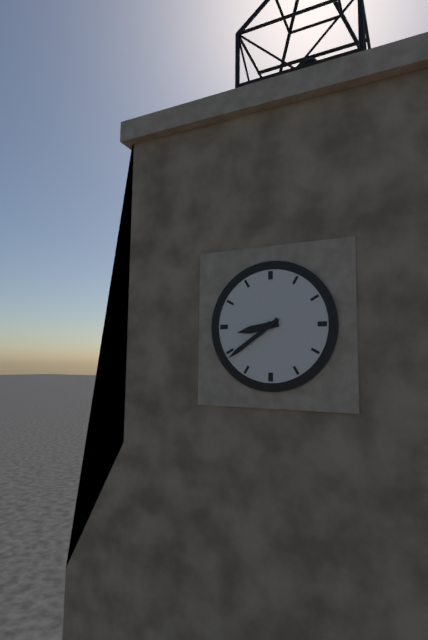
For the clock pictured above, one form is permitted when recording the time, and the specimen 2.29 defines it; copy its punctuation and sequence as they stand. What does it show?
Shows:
8.39
